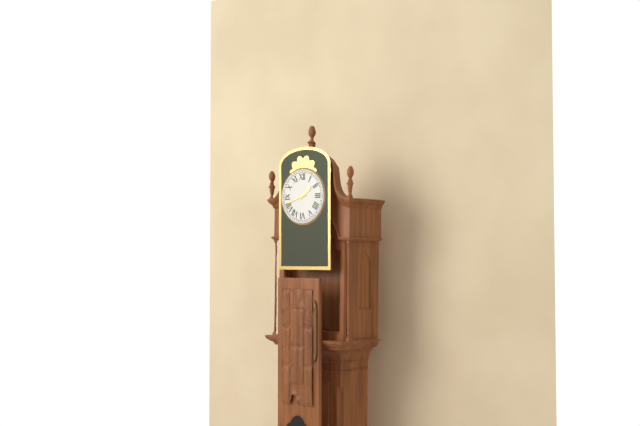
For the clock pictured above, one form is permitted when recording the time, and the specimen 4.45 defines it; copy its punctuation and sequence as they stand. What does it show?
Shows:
1.42
